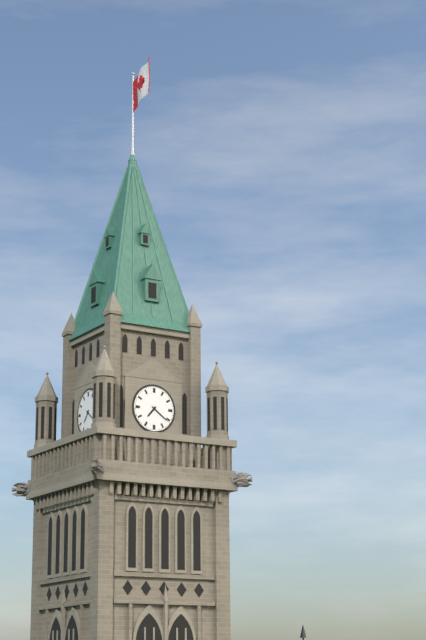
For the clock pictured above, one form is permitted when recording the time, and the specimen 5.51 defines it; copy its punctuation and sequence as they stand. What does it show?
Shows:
7.21
